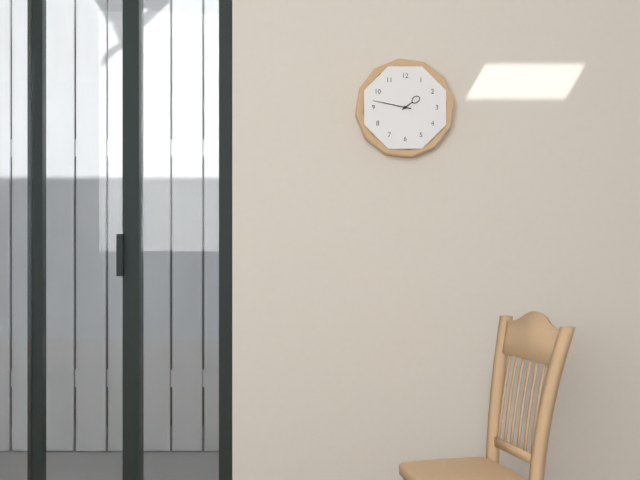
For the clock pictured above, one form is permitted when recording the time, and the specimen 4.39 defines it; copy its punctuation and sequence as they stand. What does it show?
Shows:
1.47
